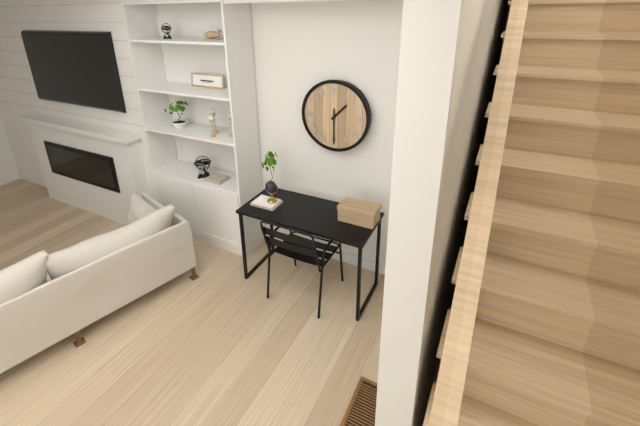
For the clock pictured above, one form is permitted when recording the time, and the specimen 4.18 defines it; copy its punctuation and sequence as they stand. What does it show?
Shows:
1.30
